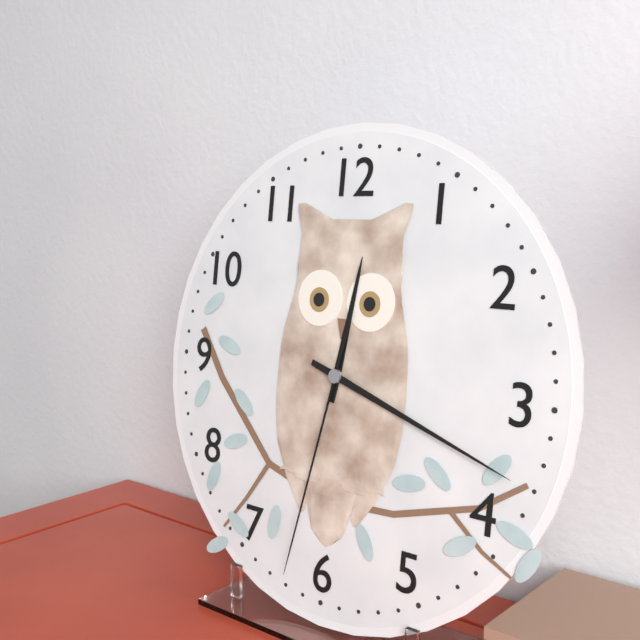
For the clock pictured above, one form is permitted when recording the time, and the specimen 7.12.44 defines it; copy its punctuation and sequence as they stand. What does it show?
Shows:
12.18.32
